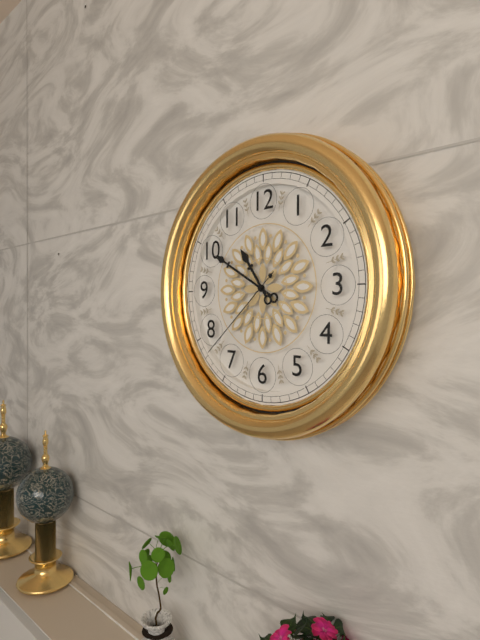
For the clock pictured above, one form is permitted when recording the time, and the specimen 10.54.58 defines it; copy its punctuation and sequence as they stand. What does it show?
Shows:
10.50.38
